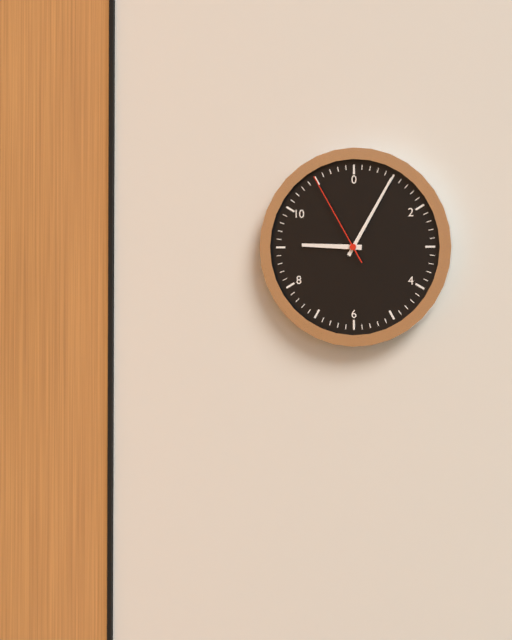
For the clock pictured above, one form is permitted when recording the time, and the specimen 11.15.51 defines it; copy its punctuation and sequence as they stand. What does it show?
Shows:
9.05.55
